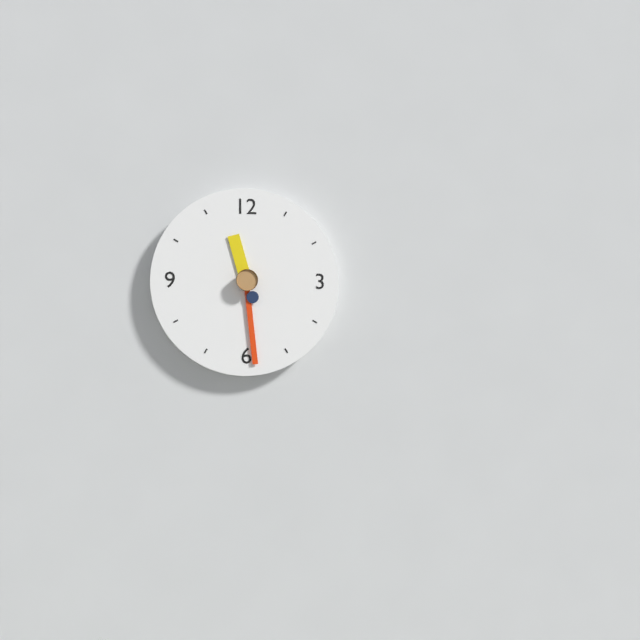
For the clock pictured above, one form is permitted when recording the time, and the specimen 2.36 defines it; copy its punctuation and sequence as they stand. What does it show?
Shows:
11.29
